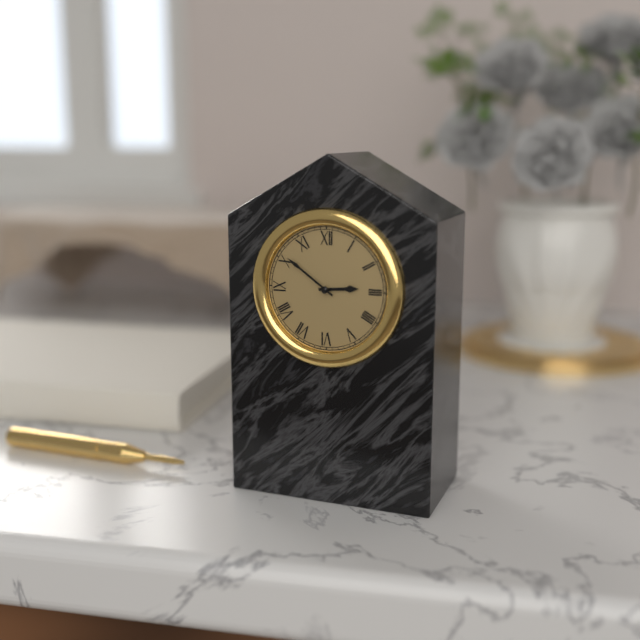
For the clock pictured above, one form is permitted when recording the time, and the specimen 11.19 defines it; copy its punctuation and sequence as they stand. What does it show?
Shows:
2.51
